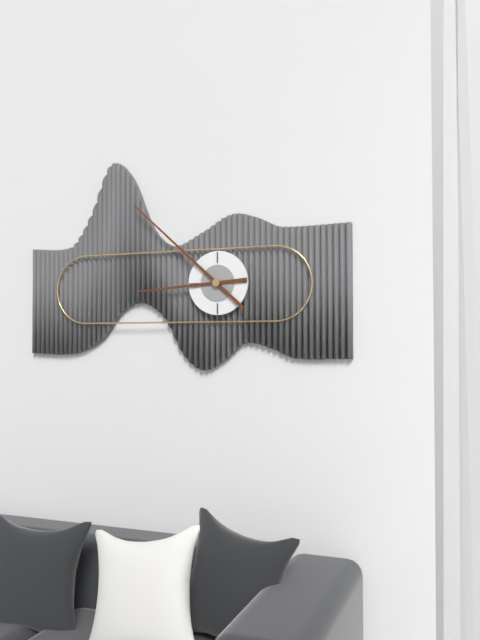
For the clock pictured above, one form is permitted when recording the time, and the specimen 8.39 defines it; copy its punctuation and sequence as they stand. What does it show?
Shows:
8.52
